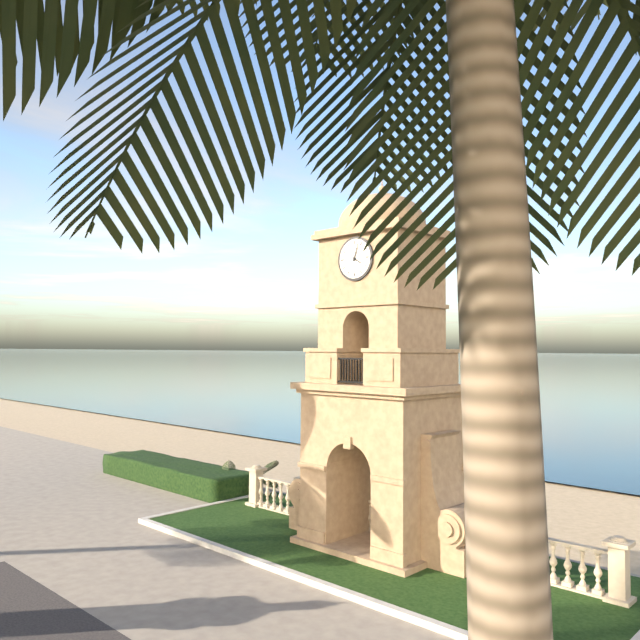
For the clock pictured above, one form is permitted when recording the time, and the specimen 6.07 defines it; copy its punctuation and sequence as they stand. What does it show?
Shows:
4.03
